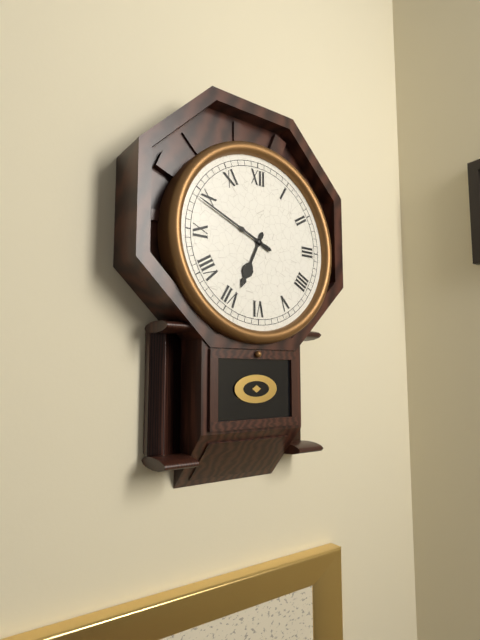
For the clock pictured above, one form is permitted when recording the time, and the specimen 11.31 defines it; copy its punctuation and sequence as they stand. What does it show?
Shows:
6.49
